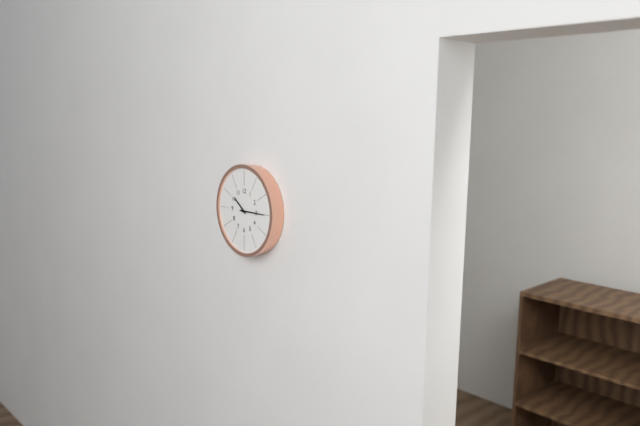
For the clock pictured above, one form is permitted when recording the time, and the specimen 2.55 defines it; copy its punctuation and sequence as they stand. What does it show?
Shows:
10.15
